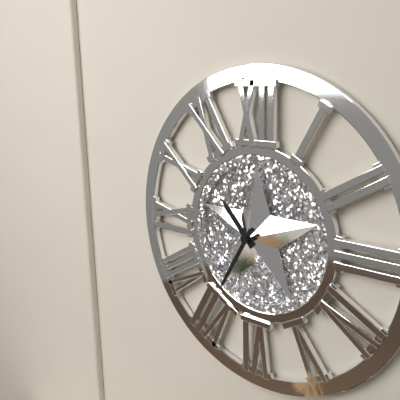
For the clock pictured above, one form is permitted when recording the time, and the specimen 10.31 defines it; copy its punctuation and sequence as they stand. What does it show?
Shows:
10.35
